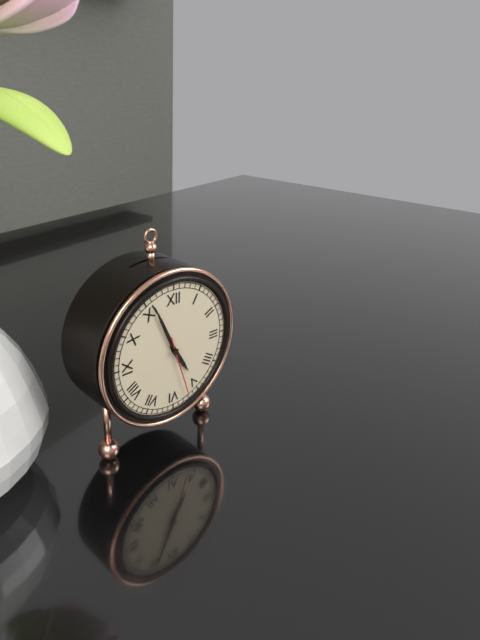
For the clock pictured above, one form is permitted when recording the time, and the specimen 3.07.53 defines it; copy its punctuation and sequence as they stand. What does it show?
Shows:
4.56.27
